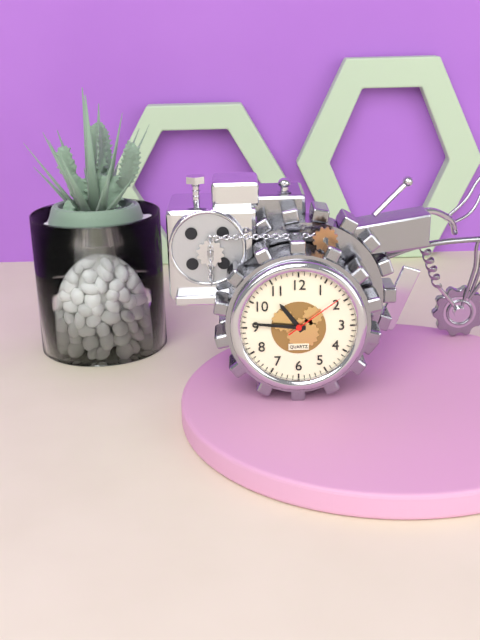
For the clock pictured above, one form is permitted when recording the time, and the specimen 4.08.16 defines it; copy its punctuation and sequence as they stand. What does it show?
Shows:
10.46.09
